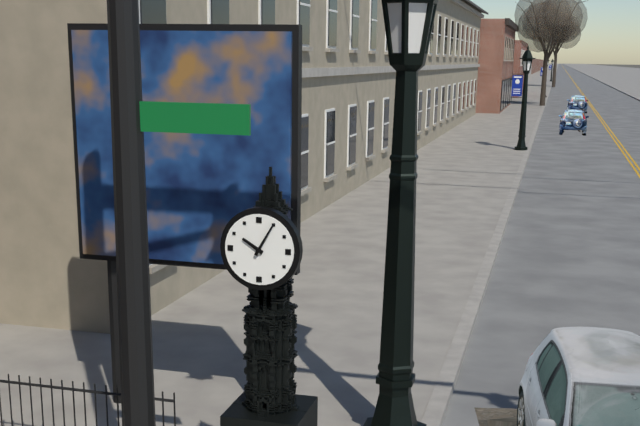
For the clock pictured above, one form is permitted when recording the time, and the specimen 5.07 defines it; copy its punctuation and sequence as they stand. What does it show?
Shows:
10.05
